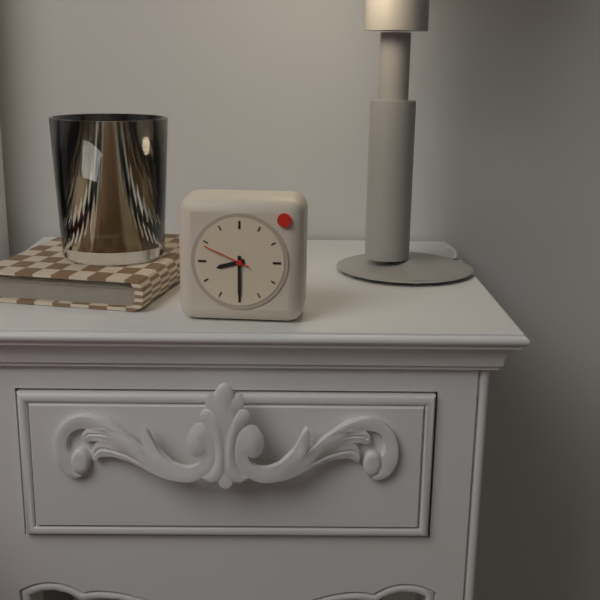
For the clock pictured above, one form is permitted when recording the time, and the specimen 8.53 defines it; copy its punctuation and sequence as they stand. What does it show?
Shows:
8.30
